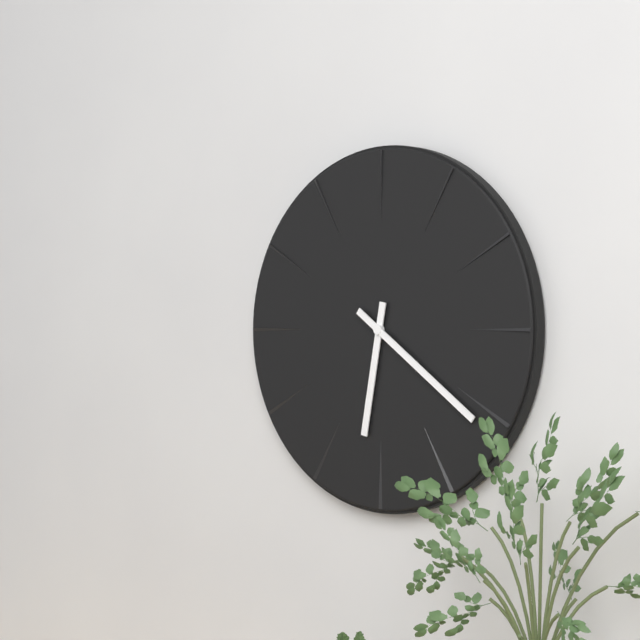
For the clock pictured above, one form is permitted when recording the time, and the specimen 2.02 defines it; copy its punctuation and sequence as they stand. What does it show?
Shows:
6.21
